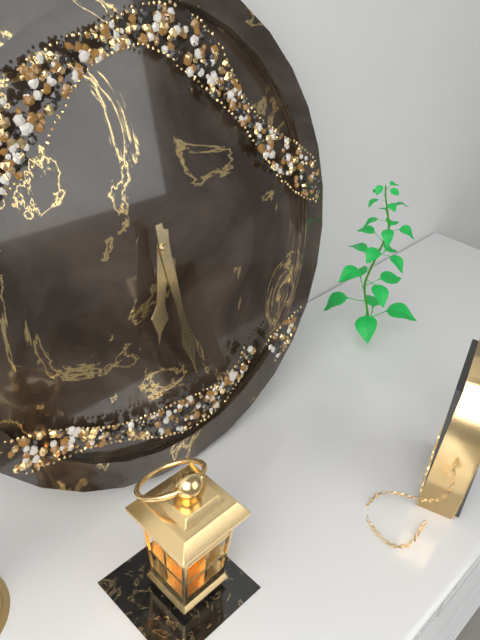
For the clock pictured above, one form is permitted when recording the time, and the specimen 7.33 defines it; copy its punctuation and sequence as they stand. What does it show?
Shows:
6.29
